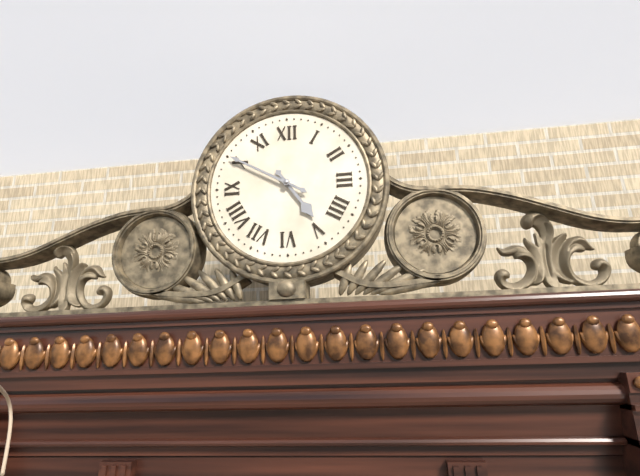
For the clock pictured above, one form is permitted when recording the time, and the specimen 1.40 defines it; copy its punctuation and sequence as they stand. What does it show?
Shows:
4.50
